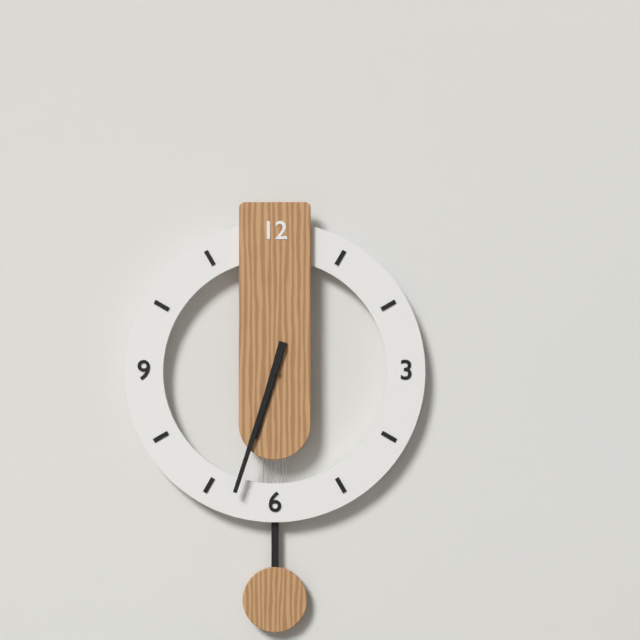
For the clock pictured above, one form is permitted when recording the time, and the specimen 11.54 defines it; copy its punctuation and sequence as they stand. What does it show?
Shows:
6.33
